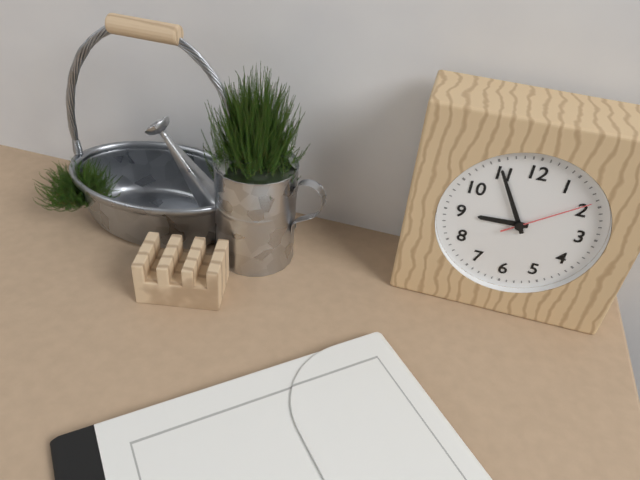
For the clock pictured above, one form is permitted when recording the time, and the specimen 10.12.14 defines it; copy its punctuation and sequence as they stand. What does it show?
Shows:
8.55.09
